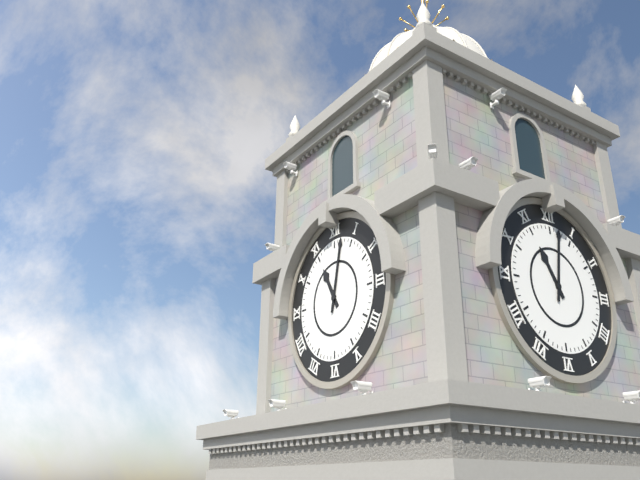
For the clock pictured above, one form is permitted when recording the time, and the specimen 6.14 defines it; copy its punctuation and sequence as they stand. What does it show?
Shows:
11.02
